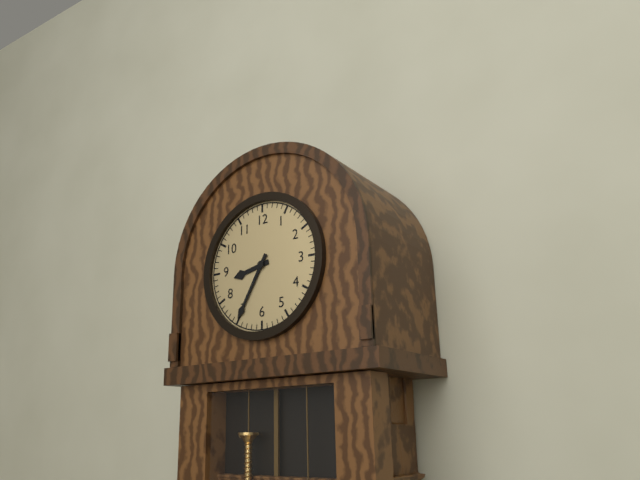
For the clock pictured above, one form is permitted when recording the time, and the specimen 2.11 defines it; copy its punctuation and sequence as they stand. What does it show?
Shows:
8.35
